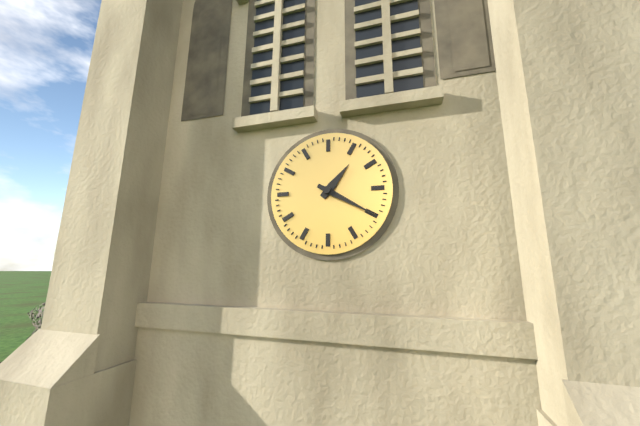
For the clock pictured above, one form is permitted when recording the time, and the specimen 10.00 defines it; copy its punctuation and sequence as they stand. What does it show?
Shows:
1.20
